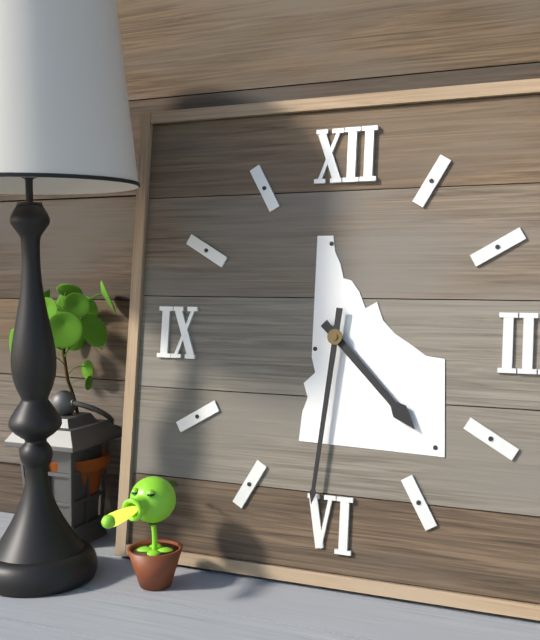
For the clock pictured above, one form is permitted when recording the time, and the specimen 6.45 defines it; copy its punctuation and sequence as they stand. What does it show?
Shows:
4.31
